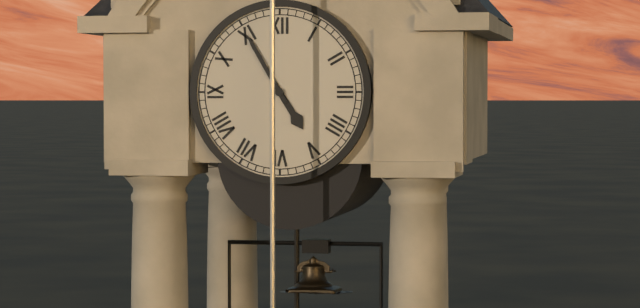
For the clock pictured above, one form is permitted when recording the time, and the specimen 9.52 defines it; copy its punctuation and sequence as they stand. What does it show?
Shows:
4.55
